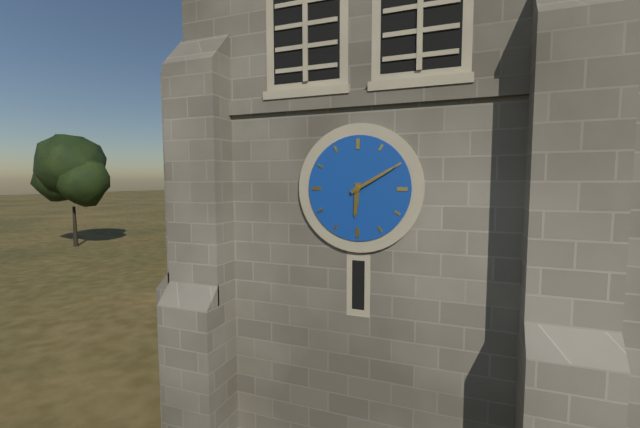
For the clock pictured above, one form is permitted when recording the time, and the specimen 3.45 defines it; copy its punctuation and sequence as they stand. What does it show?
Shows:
6.10
